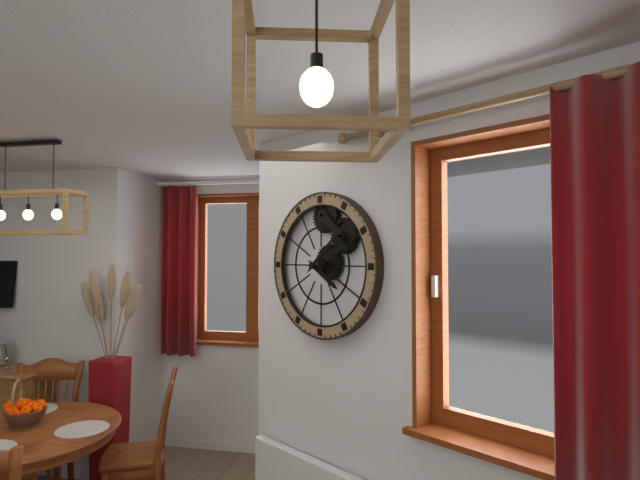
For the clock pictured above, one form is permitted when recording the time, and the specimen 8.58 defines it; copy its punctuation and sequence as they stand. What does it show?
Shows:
4.08
